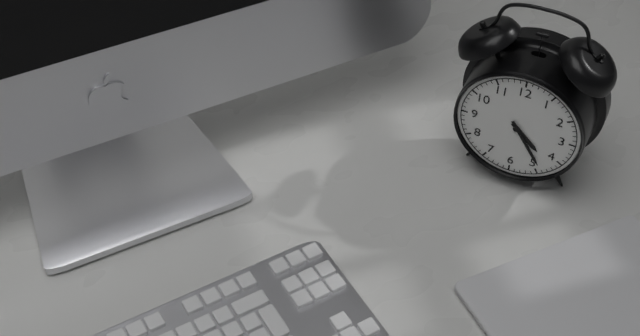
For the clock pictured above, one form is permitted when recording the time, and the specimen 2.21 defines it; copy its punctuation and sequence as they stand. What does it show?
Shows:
4.24
